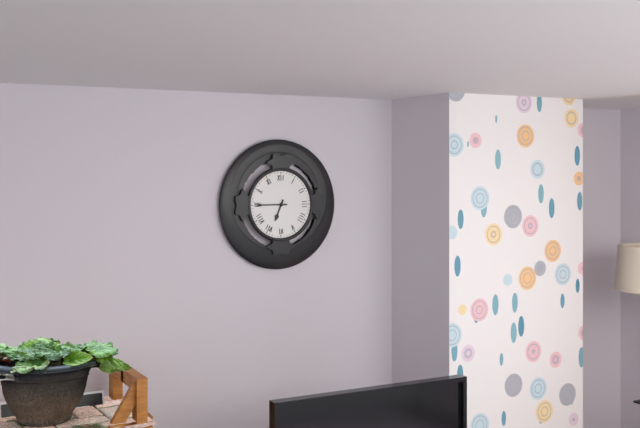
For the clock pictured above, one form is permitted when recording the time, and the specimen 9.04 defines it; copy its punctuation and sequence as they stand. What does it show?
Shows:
6.45
